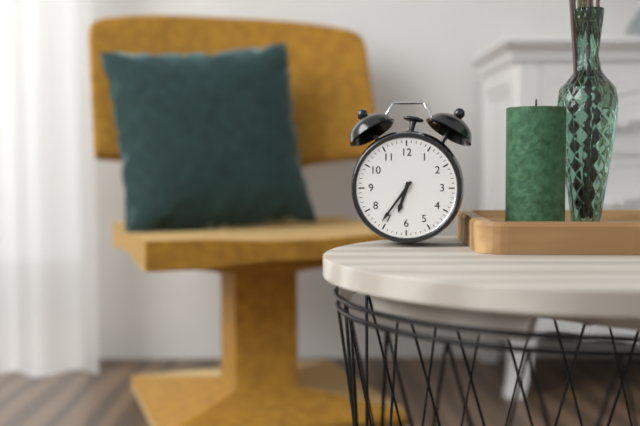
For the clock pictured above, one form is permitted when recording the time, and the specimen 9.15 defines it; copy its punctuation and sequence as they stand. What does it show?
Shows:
6.36
